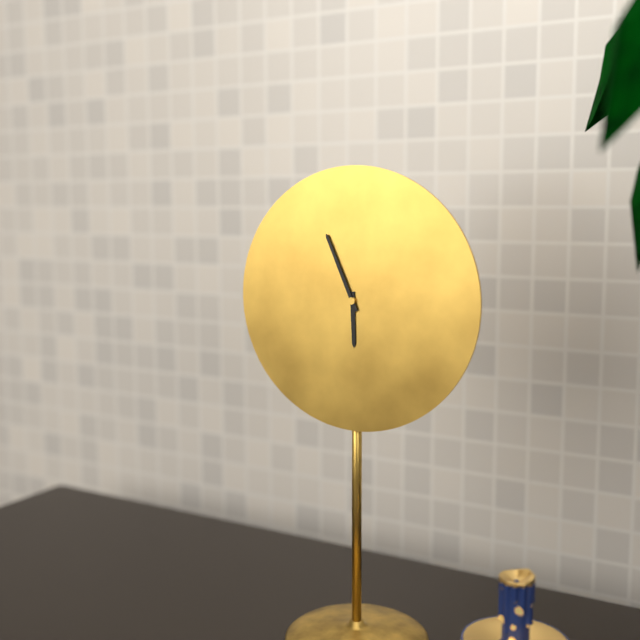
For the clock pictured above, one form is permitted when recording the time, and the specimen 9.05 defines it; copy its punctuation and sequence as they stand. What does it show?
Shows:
5.56
